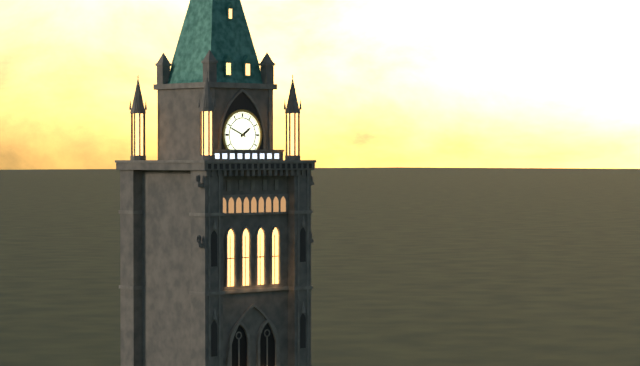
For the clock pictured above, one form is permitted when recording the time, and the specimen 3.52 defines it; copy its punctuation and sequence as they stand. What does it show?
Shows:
1.49
